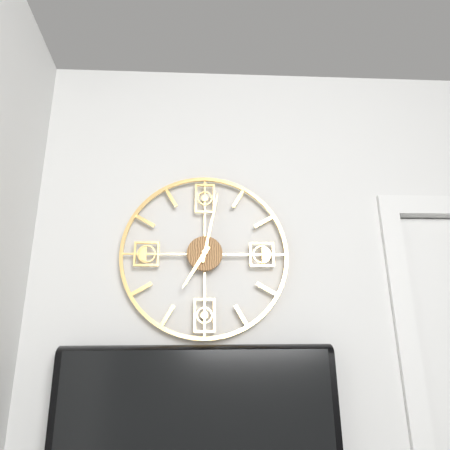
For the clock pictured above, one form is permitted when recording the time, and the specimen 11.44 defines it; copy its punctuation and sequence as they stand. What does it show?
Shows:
7.02
